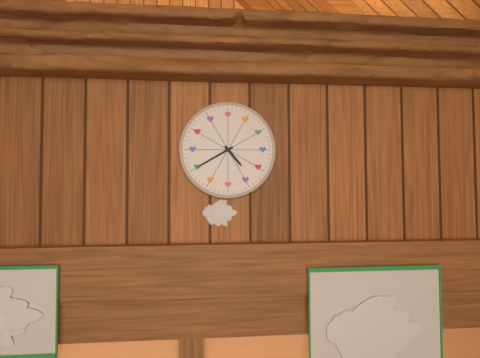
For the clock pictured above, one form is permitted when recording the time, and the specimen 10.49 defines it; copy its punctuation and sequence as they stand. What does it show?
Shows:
4.40
